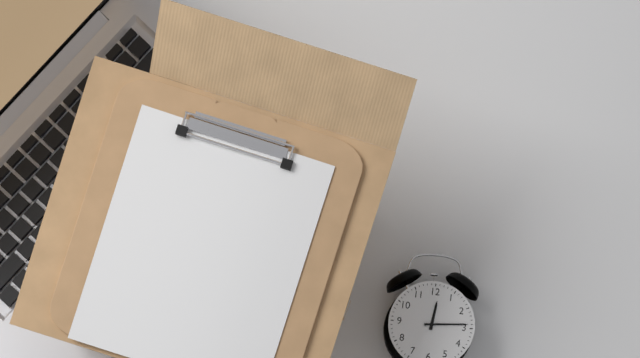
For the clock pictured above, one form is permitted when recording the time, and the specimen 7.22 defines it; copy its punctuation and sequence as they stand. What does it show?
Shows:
12.14
